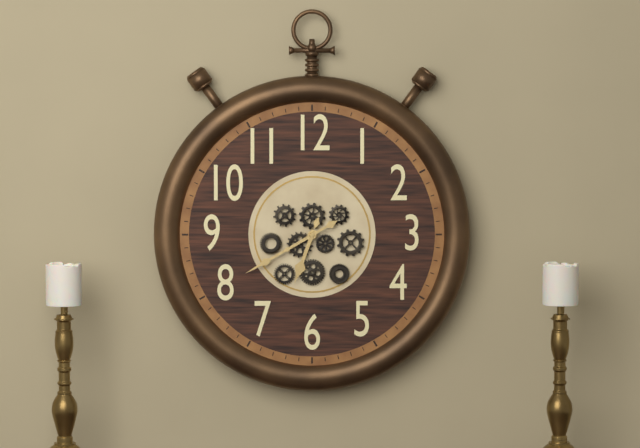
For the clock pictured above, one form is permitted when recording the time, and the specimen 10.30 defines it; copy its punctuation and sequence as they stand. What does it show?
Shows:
6.40
